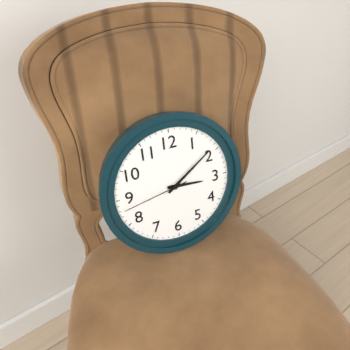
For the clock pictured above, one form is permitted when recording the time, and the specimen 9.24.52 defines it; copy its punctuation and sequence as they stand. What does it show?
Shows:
3.09.43
